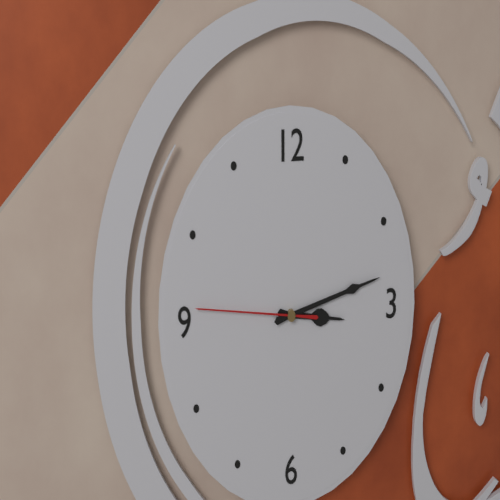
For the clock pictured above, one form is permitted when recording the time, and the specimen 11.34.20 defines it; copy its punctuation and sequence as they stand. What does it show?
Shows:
3.13.46
